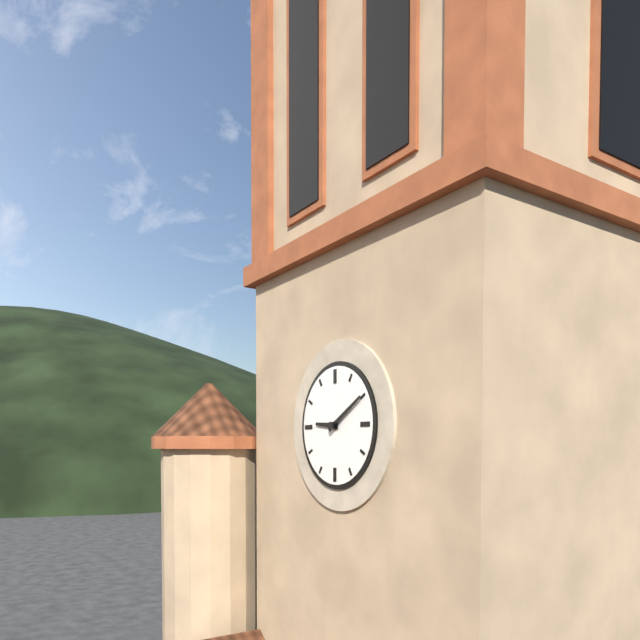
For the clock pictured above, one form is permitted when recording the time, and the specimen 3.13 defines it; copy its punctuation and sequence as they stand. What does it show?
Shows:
9.10
